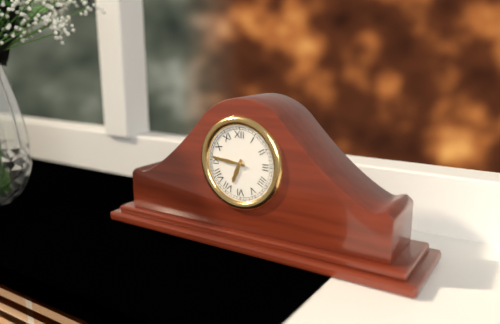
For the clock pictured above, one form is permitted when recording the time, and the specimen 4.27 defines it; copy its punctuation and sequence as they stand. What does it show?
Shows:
6.46
